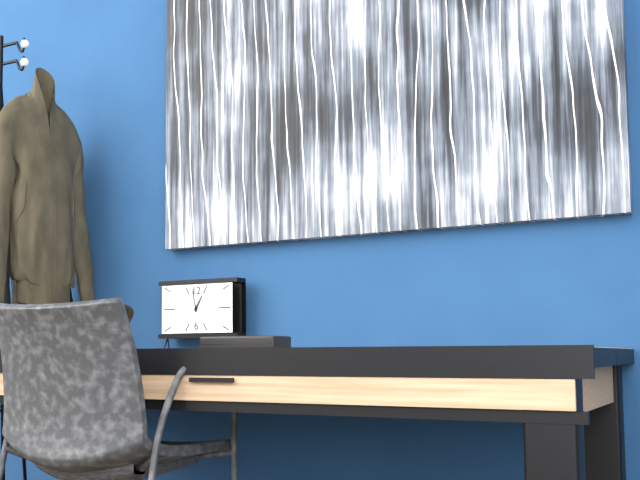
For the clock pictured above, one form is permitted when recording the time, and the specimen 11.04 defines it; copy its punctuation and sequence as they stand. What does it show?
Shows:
12.58
